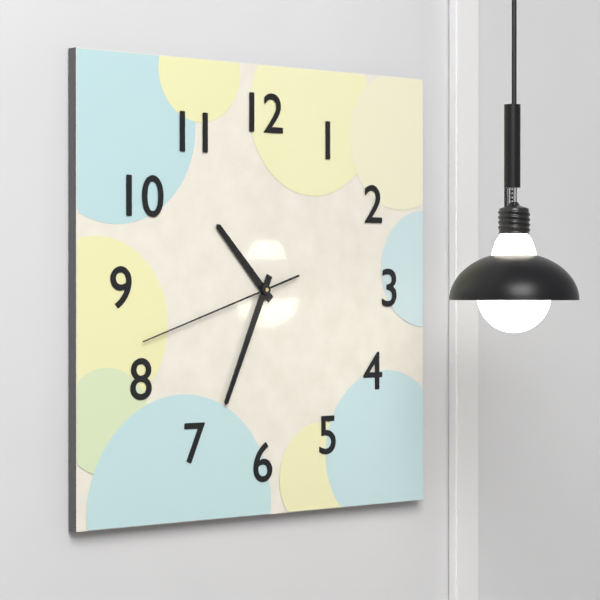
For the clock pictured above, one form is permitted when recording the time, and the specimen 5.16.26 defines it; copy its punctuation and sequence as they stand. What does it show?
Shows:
10.34.42
